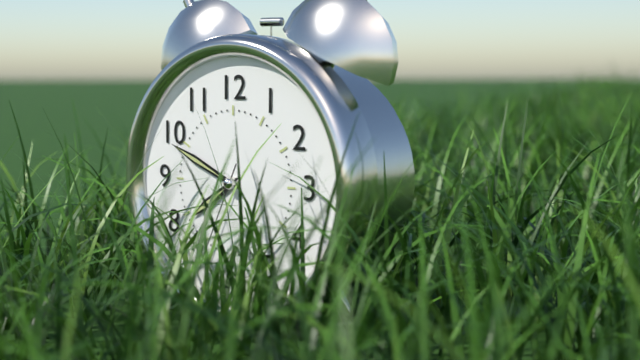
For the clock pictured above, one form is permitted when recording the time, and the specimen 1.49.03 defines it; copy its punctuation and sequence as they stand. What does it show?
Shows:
7.49.34
